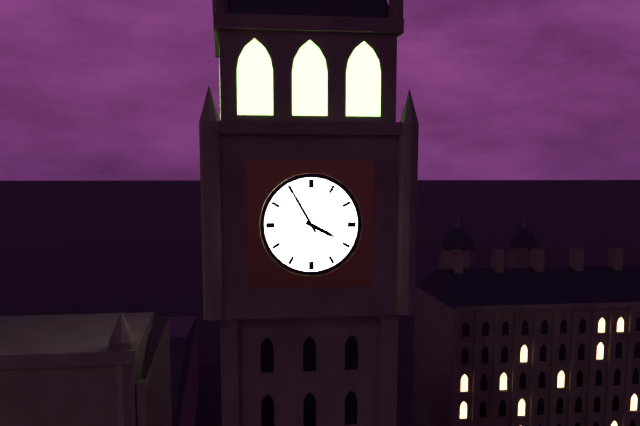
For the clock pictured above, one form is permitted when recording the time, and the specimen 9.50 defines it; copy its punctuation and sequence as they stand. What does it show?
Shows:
3.55
